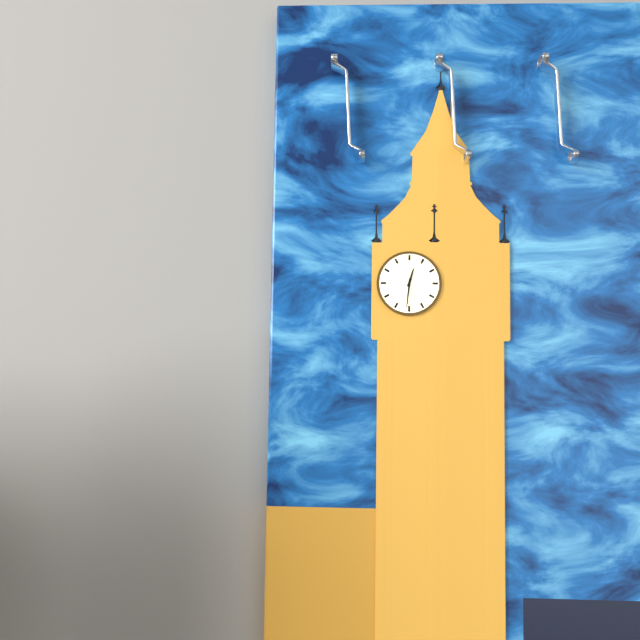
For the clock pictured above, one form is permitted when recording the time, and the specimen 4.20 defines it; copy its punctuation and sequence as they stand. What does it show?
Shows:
12.31
